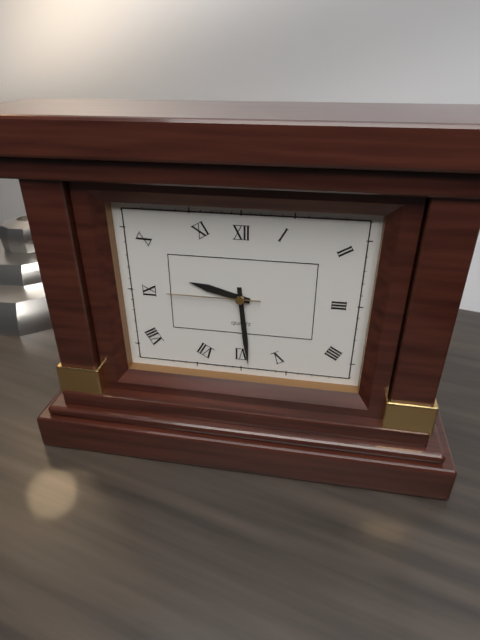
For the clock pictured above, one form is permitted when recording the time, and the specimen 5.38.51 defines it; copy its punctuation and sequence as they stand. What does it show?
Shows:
9.29.45
